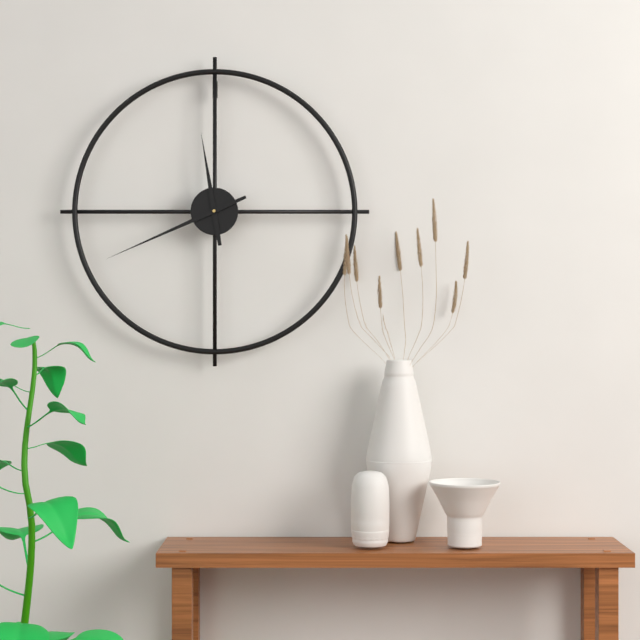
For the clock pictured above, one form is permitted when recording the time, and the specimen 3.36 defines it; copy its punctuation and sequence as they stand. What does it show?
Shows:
11.41
